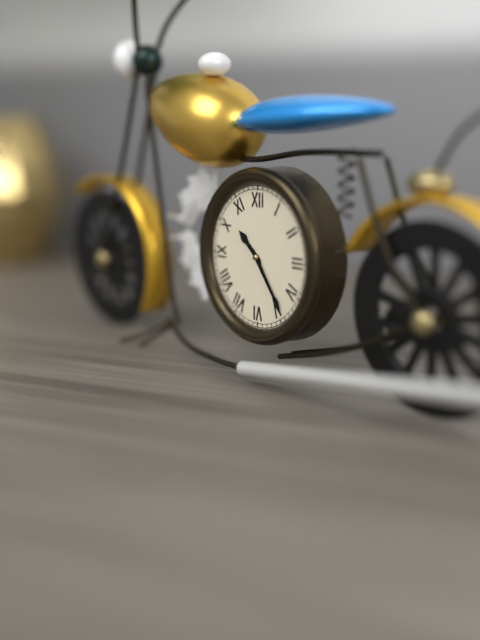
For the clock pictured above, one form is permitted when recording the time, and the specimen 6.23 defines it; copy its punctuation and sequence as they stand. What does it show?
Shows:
10.24
